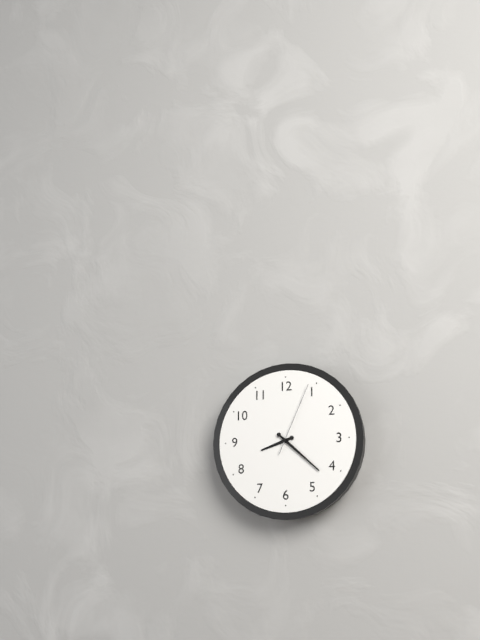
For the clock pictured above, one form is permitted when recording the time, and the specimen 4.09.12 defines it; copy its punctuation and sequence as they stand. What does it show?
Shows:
8.22.04
